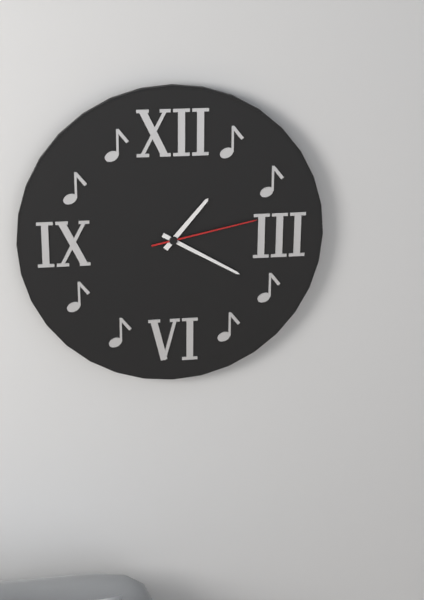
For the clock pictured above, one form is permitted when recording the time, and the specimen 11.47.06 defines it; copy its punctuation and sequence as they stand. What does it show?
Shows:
1.20.13
